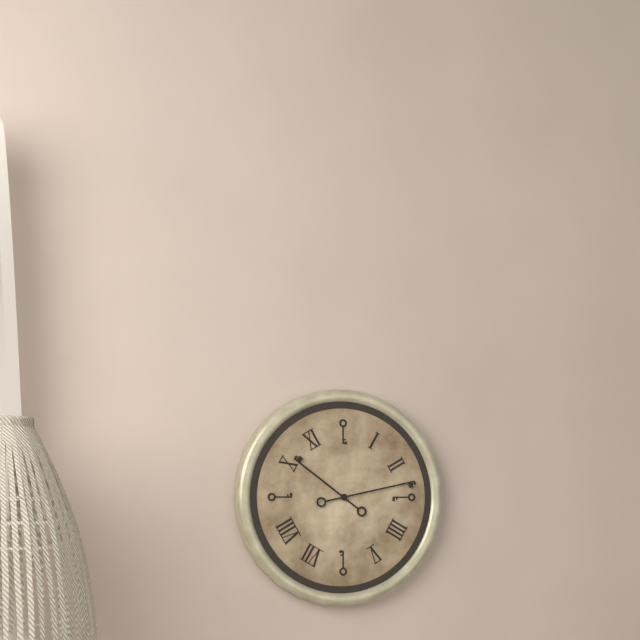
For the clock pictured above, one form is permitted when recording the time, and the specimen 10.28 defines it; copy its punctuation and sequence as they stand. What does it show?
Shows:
10.13
